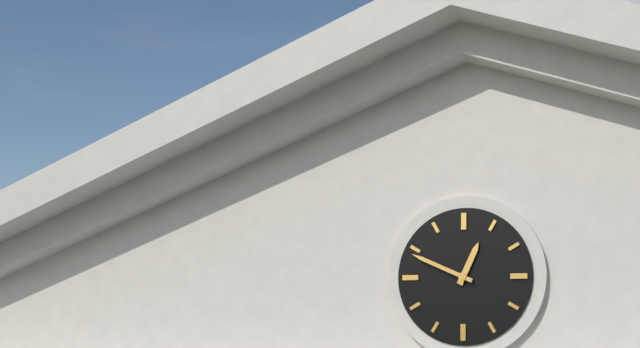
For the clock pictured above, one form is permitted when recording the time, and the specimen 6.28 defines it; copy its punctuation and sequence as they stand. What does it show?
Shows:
12.49
